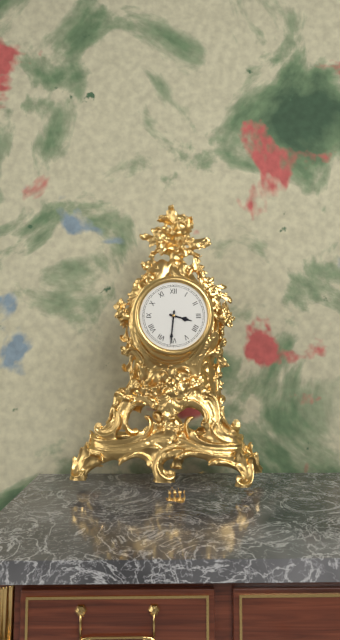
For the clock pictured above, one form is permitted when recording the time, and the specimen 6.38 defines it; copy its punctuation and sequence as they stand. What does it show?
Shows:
3.31
